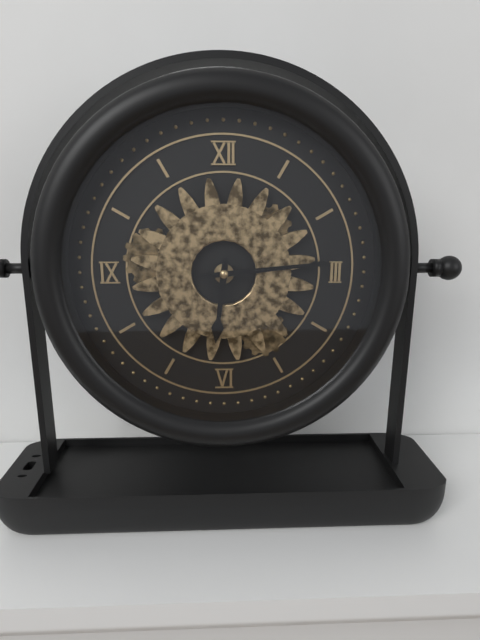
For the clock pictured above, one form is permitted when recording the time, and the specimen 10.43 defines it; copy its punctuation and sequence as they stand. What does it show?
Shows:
6.14
